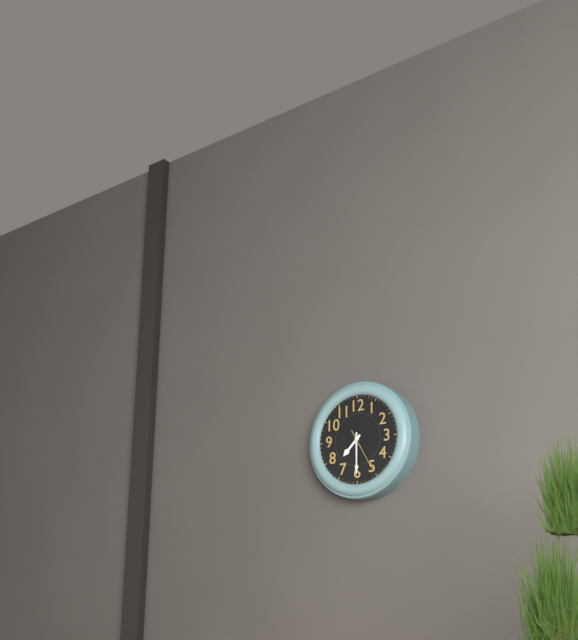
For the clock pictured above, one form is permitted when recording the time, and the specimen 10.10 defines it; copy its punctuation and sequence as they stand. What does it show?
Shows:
7.30
